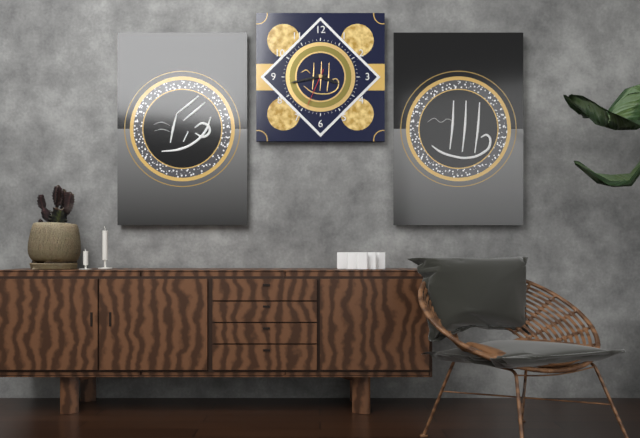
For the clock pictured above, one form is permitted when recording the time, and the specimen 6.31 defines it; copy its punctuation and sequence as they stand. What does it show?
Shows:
3.43
